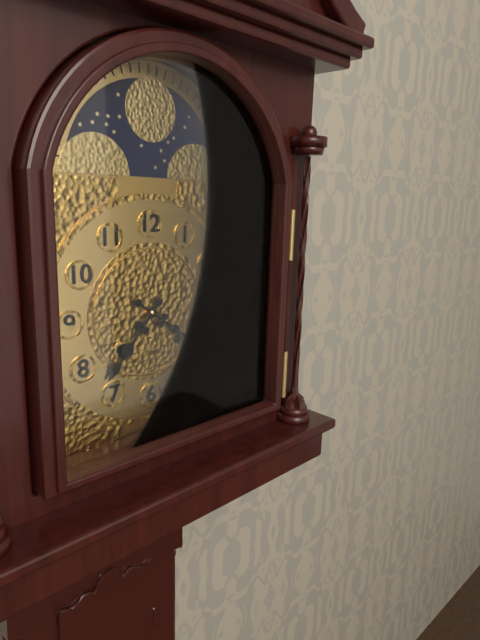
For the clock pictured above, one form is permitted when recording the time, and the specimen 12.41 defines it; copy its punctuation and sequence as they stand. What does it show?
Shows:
7.21
